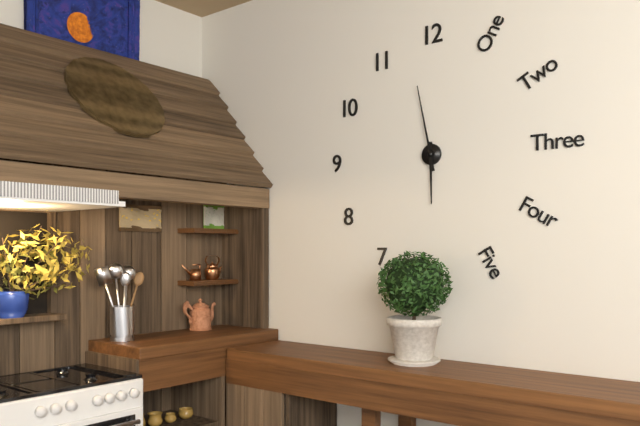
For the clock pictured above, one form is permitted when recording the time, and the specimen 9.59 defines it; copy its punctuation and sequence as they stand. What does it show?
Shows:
5.58
